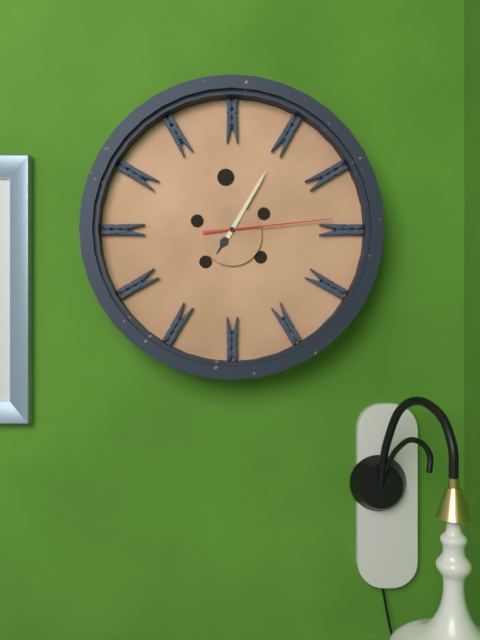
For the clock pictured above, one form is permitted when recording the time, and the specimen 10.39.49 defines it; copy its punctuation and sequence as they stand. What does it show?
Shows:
7.05.14
